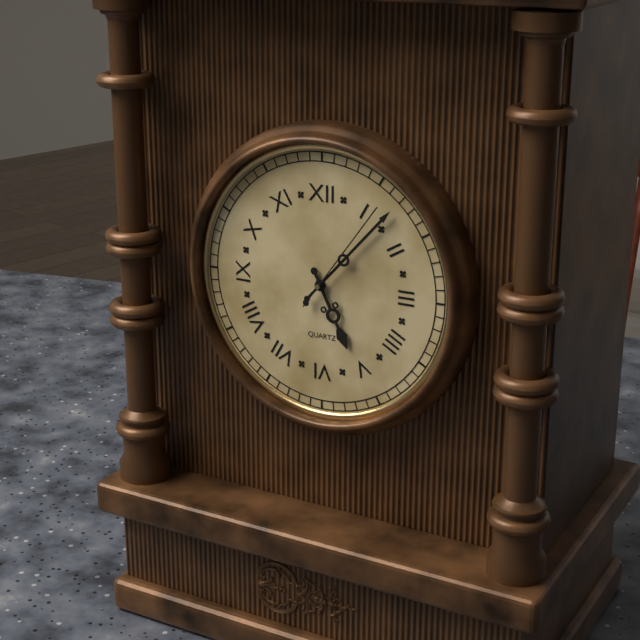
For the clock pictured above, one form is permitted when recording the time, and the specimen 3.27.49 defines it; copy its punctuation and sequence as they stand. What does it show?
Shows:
5.07.06
